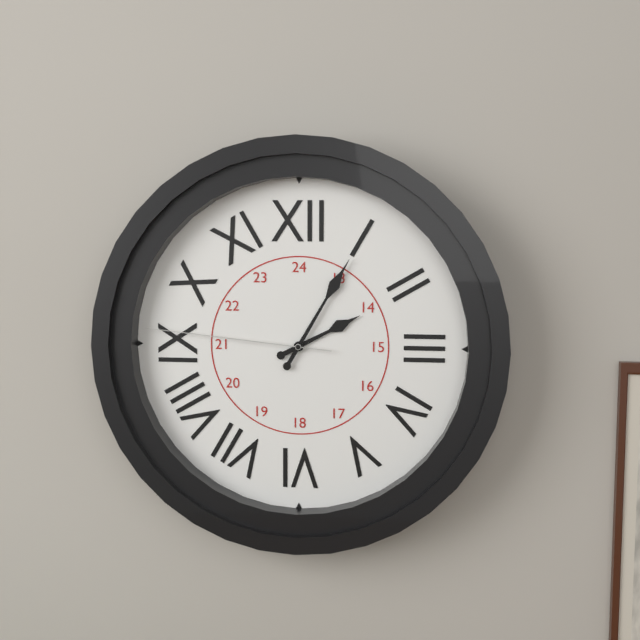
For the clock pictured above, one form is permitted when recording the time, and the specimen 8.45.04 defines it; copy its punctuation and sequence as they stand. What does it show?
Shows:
2.05.46
